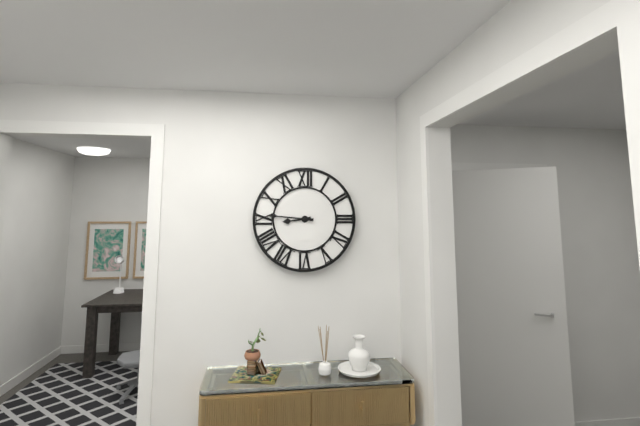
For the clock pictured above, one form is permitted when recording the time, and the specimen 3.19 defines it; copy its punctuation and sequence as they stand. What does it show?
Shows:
8.46
